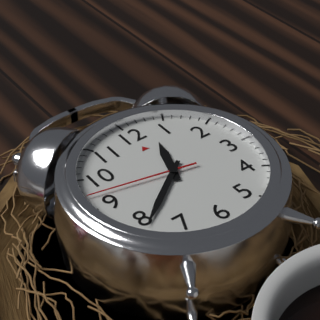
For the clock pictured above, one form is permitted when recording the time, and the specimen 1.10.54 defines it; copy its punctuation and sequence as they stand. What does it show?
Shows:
12.39.47
